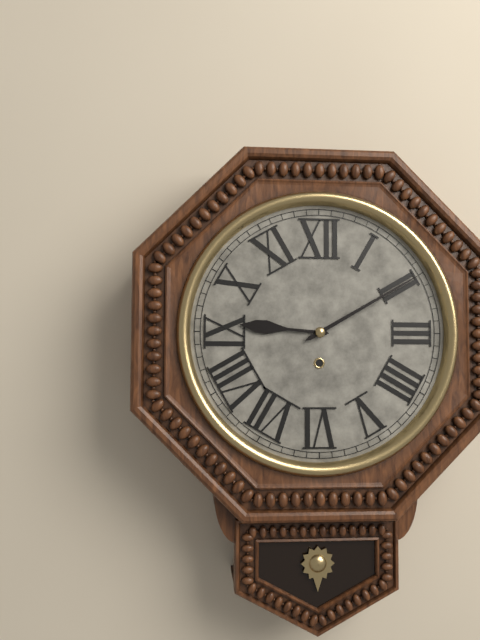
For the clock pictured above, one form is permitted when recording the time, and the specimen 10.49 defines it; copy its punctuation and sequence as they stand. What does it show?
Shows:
9.10
